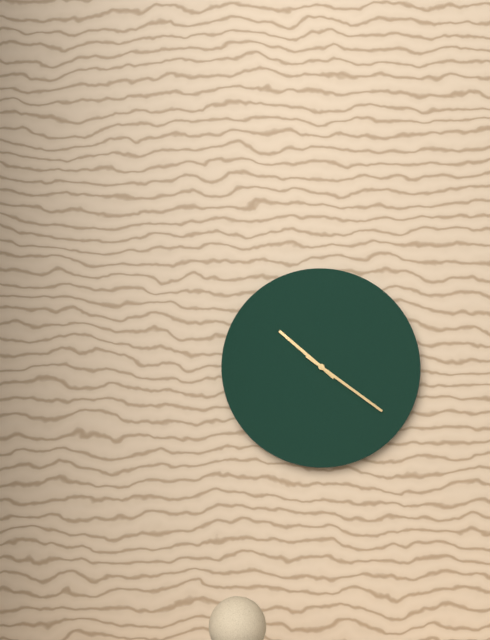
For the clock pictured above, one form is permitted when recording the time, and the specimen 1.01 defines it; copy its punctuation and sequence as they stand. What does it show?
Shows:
10.21
